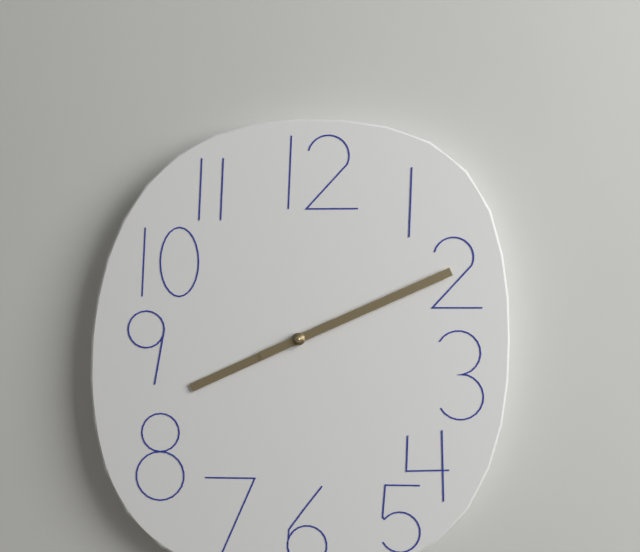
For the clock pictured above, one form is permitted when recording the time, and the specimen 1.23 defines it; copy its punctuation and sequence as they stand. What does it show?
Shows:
8.11
